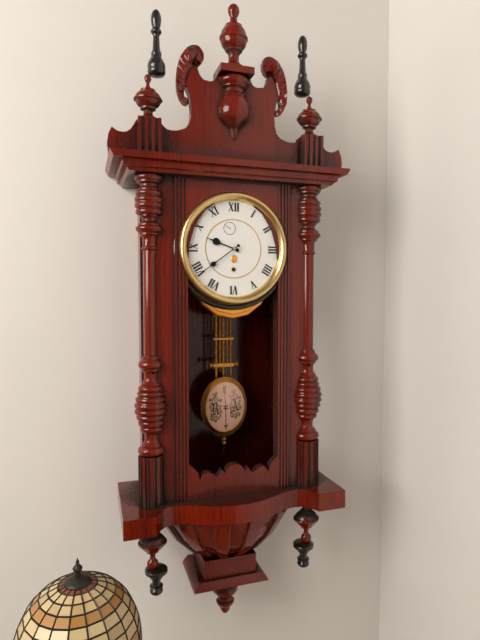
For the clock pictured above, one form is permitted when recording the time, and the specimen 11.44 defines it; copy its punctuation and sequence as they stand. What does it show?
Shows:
9.39
